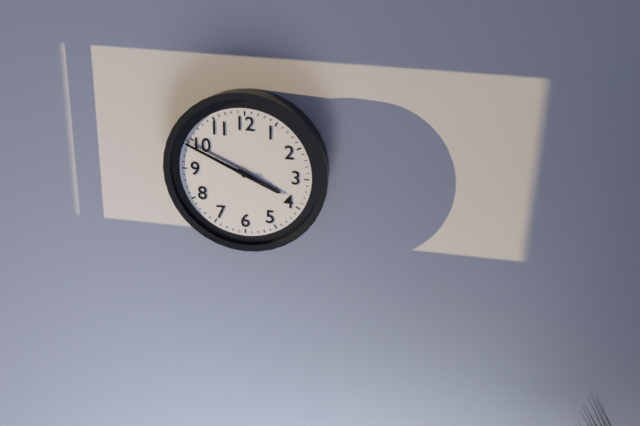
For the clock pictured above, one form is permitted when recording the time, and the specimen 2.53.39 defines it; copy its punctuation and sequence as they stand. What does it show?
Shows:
3.49.49
